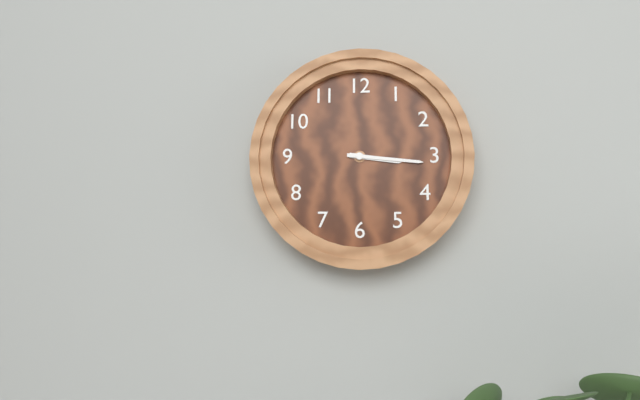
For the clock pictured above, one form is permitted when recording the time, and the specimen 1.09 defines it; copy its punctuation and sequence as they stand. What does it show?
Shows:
3.16
